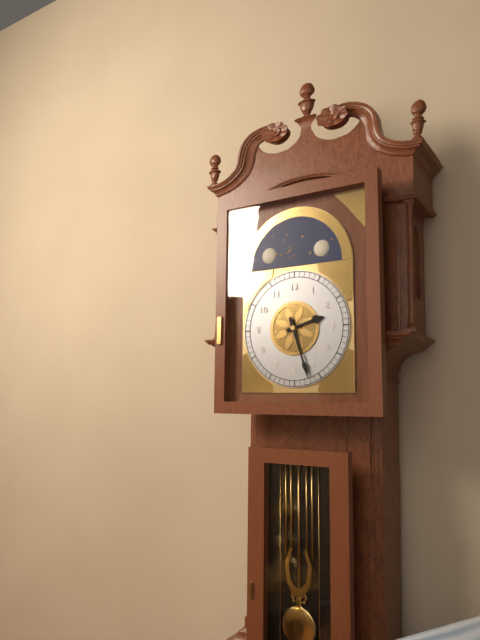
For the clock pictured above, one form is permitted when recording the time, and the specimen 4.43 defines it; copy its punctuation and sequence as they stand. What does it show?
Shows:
2.27
